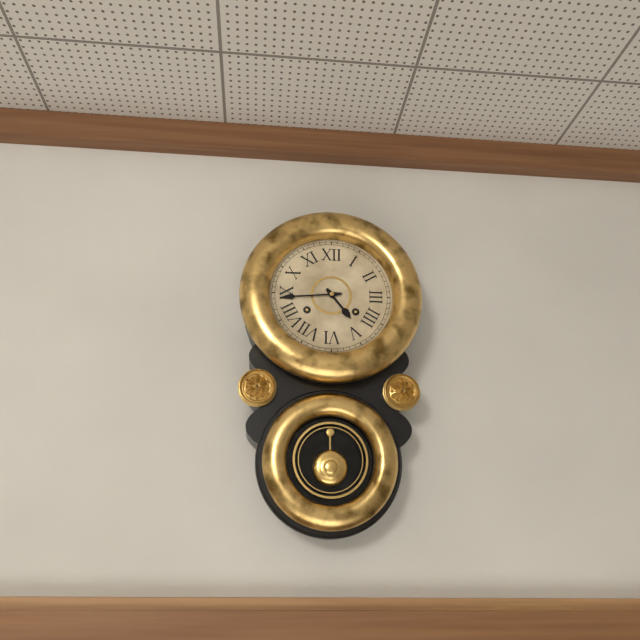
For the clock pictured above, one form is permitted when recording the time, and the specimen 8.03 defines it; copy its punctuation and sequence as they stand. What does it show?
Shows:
4.44
